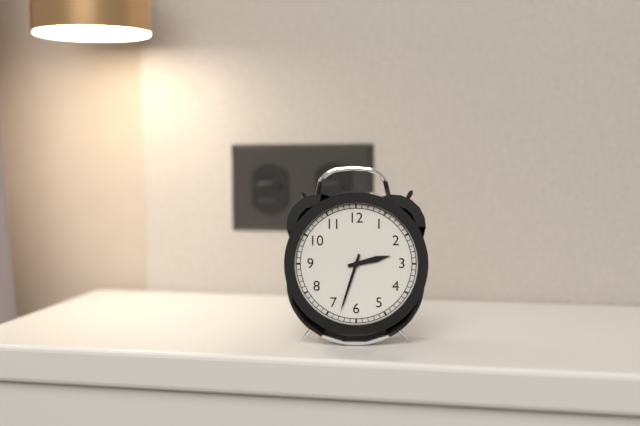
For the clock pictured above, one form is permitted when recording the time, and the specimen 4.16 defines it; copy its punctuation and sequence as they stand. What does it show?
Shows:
2.33
